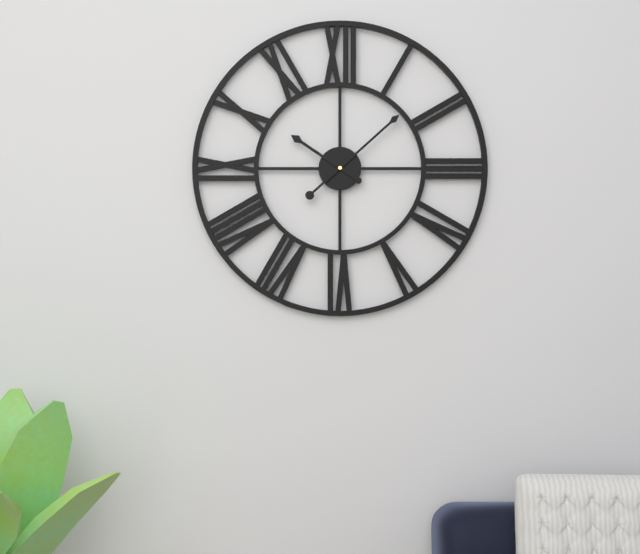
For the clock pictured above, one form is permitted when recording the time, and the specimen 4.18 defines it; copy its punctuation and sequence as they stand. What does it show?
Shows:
10.08
